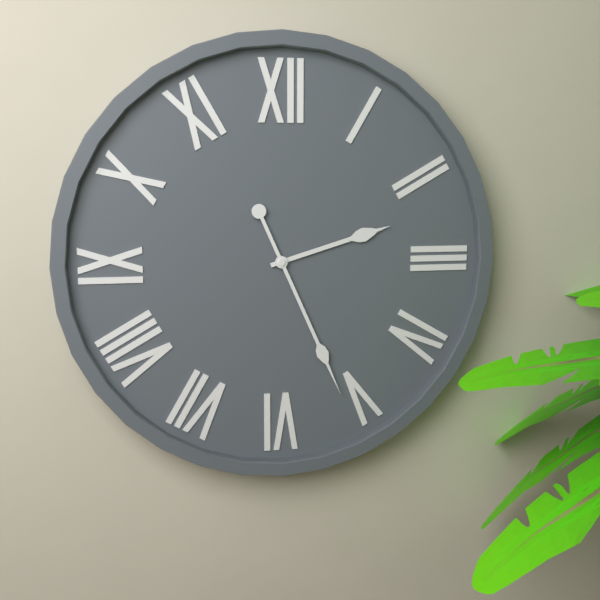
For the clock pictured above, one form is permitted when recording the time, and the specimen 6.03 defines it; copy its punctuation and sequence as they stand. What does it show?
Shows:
2.26
